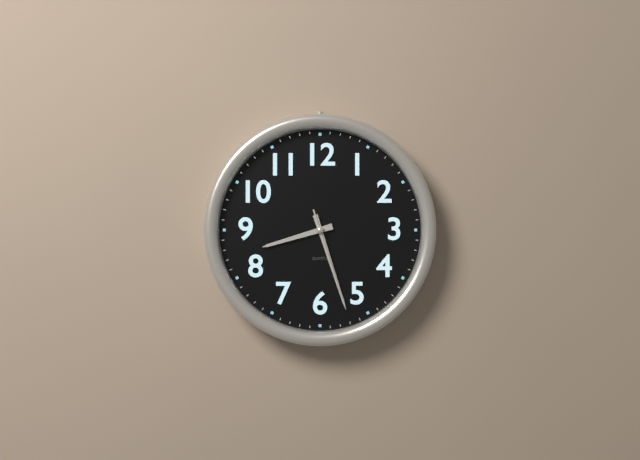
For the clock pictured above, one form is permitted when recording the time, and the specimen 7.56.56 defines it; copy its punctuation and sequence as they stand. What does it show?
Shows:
8.27.27
